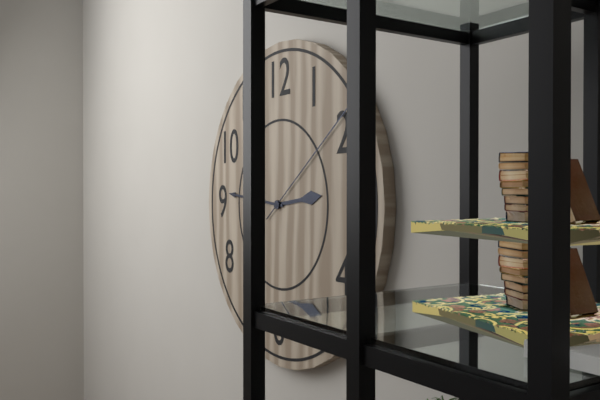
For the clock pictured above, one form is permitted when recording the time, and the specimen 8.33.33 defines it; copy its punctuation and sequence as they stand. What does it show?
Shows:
2.46.09
